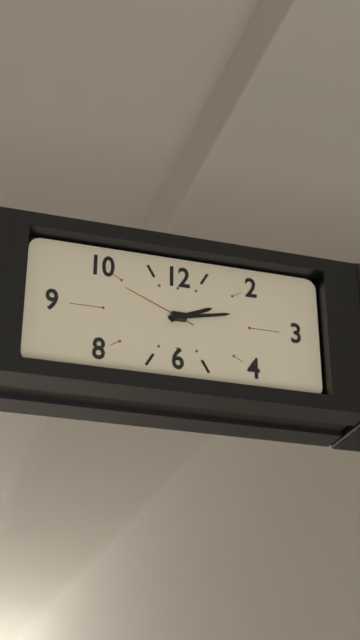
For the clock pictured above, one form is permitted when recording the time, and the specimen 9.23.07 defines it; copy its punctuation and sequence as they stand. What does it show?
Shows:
2.13.49
